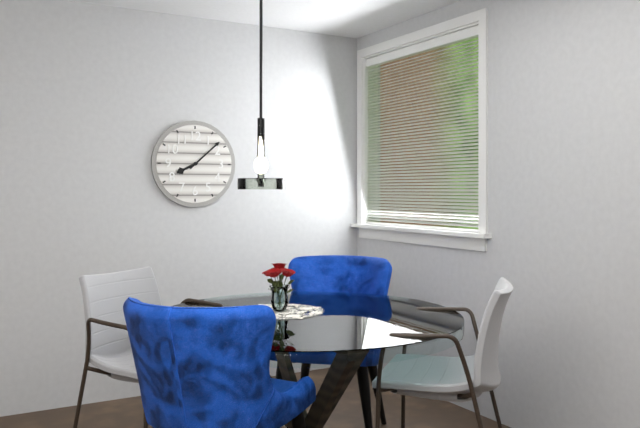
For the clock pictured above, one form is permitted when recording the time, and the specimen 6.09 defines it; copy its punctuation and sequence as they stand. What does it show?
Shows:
8.08
